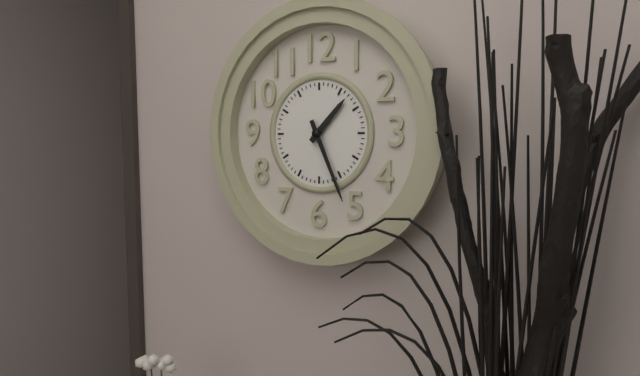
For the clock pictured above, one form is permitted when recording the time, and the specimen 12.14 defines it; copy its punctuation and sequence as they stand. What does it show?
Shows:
1.26
